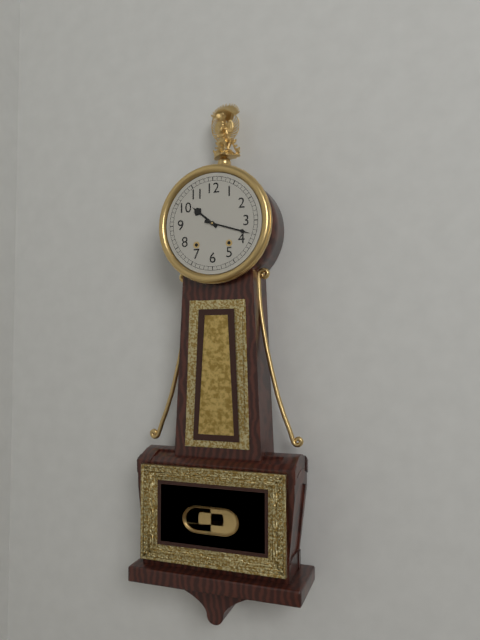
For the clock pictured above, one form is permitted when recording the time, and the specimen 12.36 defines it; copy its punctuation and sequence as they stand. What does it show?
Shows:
10.18
